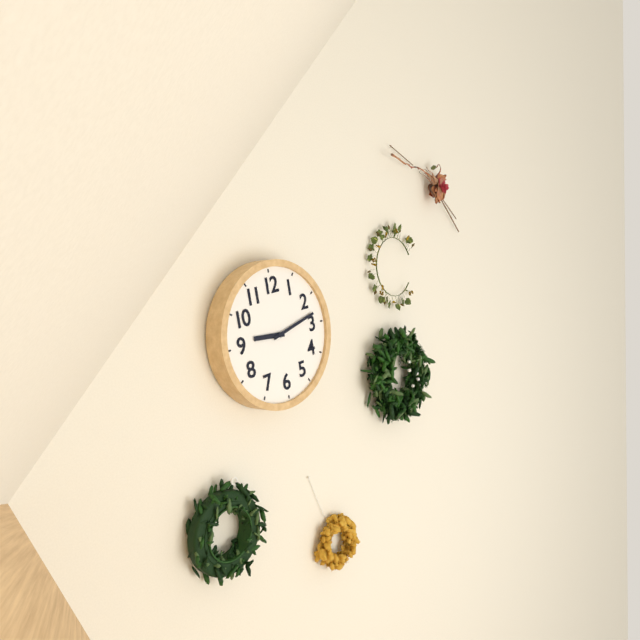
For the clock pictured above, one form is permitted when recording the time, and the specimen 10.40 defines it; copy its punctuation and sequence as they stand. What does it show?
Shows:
9.13
